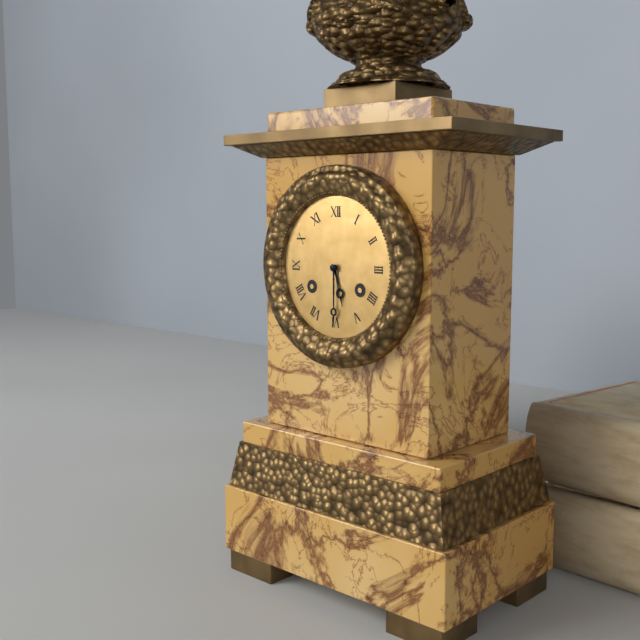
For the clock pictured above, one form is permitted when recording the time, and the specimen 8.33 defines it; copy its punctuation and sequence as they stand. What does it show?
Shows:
5.30
